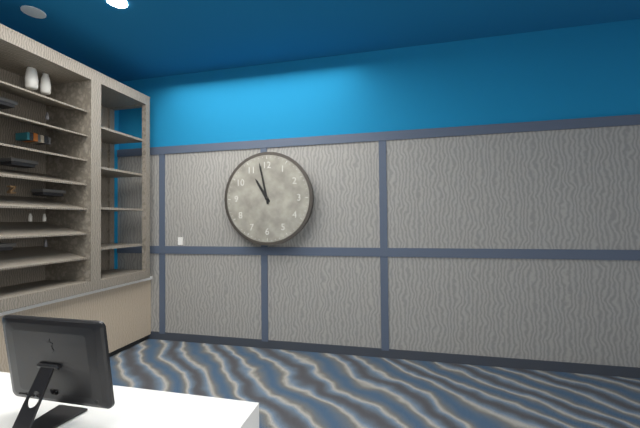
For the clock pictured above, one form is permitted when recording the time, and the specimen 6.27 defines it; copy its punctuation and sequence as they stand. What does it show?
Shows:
10.58
